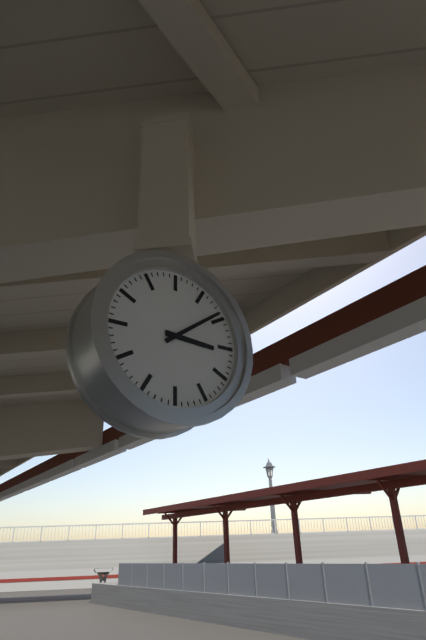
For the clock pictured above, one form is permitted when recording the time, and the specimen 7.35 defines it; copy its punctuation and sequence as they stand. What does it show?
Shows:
3.09
